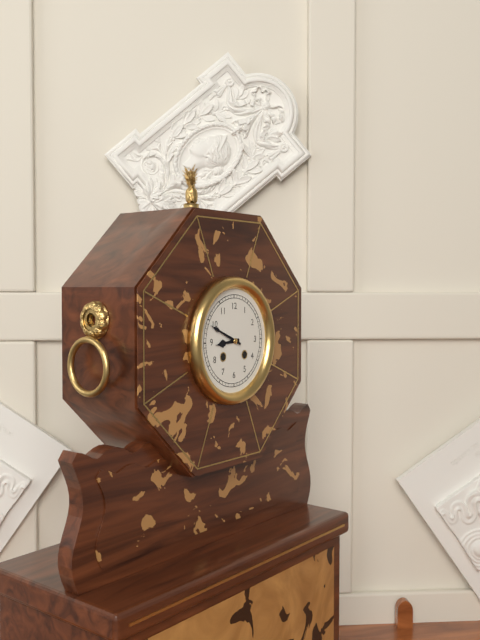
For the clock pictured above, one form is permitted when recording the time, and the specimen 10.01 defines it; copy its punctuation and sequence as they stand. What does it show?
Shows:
8.49
